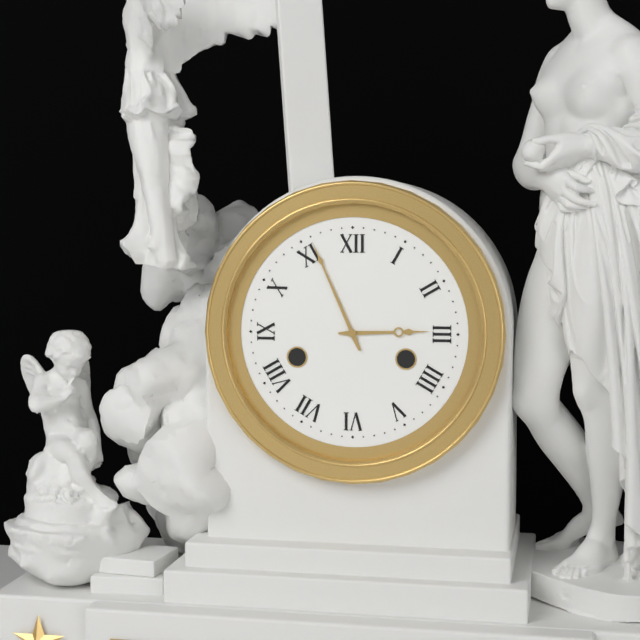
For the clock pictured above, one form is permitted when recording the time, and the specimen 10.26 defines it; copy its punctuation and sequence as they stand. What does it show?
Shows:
2.56
